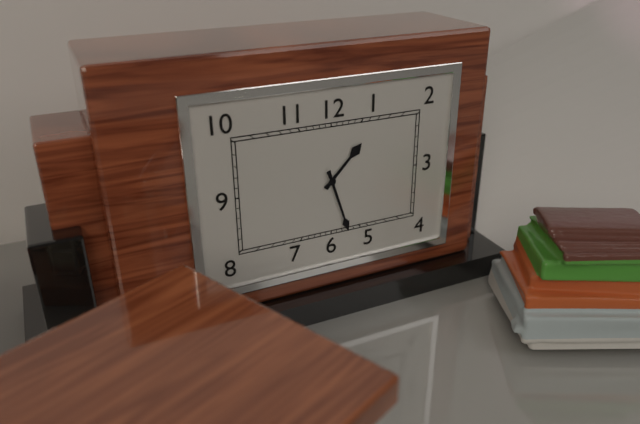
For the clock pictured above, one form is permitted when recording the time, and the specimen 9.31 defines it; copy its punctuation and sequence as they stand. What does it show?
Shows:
1.27
